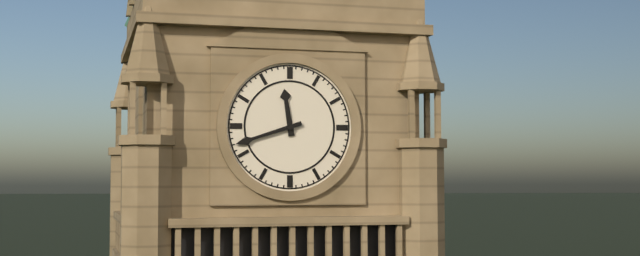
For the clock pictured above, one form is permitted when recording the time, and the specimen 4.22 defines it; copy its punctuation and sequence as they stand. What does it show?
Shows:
11.42
